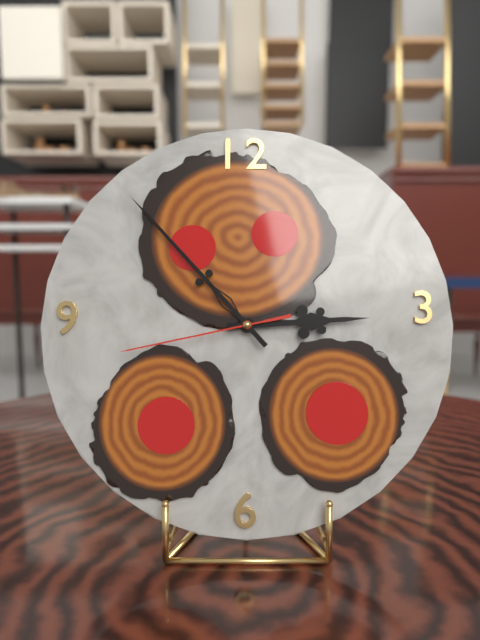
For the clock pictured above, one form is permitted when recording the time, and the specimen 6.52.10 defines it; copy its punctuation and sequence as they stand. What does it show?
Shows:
2.53.43
